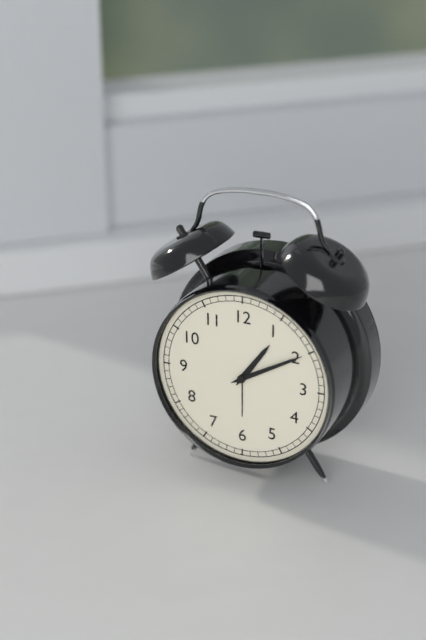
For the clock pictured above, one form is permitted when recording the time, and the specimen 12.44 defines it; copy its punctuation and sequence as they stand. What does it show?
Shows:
1.10
